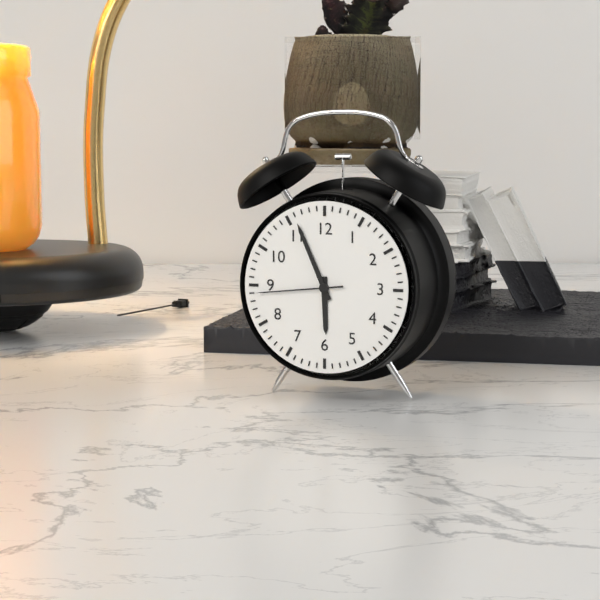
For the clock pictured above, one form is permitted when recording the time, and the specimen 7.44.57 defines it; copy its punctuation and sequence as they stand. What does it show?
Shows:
5.56.44
